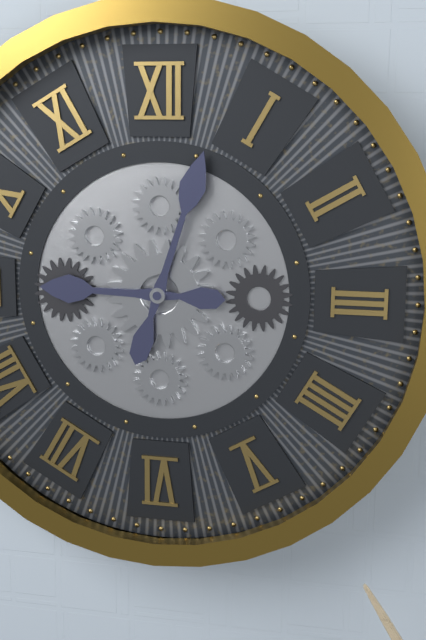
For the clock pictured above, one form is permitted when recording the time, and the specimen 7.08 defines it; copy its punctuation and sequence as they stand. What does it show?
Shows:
9.03
